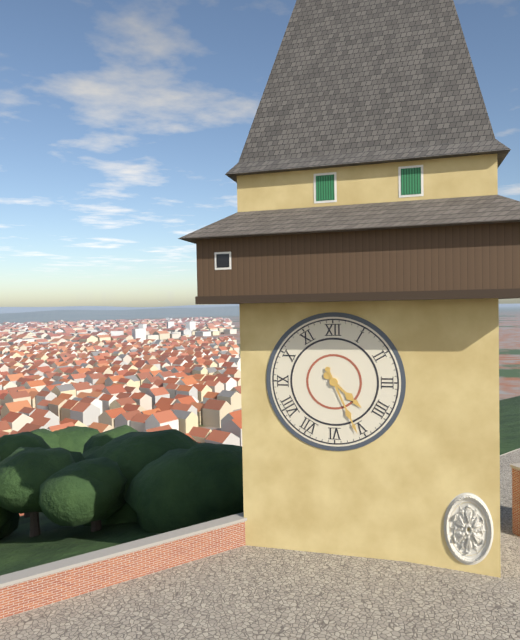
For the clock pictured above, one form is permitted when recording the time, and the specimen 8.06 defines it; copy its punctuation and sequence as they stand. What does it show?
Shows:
4.26
